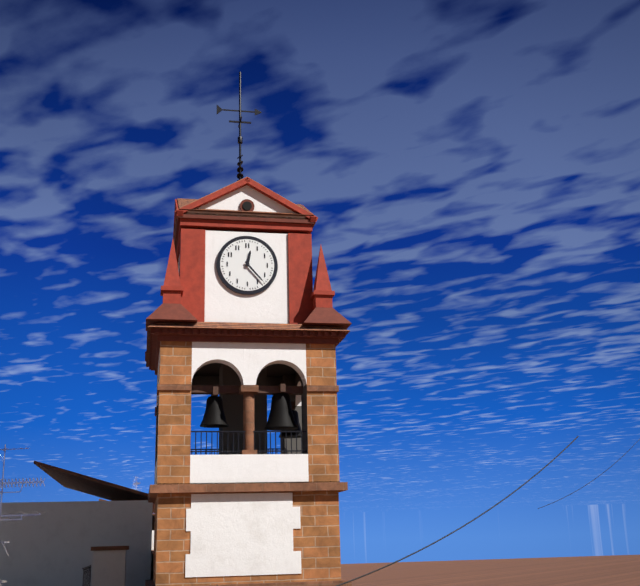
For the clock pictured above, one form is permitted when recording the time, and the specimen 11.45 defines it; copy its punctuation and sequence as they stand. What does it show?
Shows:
12.23
